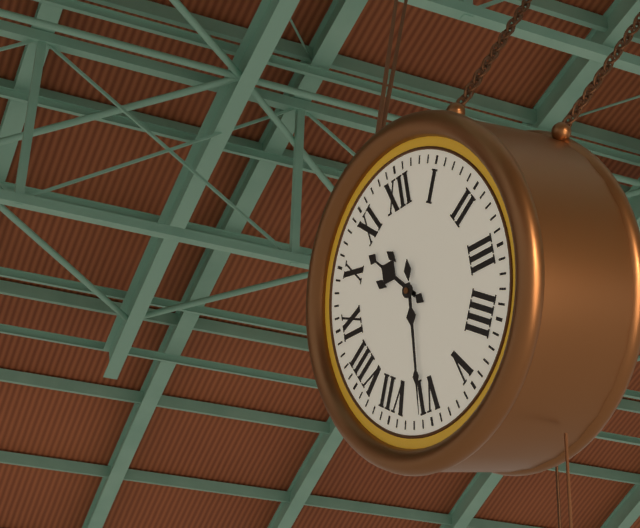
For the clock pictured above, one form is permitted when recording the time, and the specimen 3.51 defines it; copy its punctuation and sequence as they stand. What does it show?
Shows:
10.31
